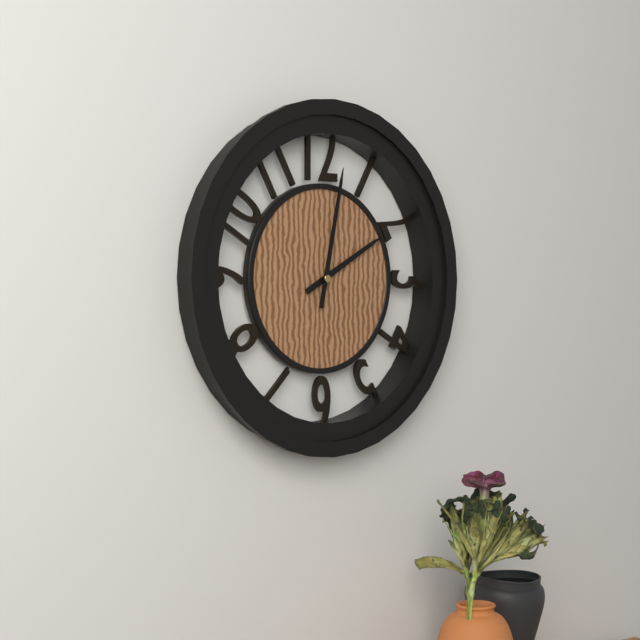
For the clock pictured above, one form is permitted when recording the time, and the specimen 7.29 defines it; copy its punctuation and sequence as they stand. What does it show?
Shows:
2.02
